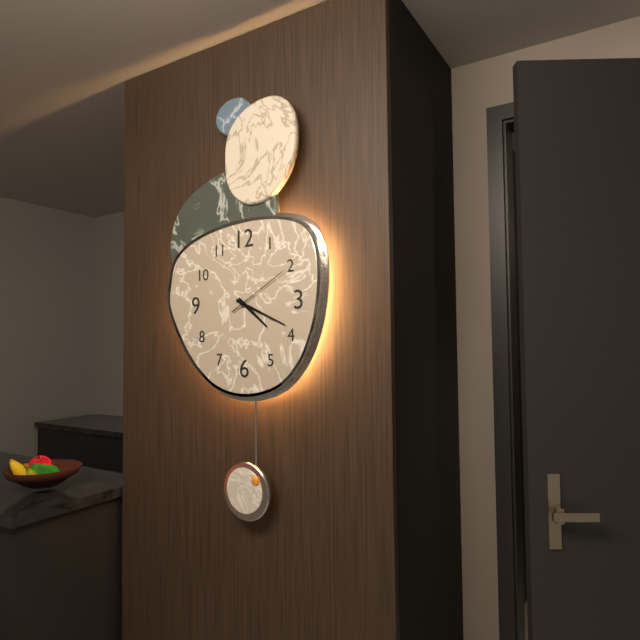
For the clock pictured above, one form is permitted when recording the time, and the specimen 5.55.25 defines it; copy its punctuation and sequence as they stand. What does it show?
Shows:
4.19.10
